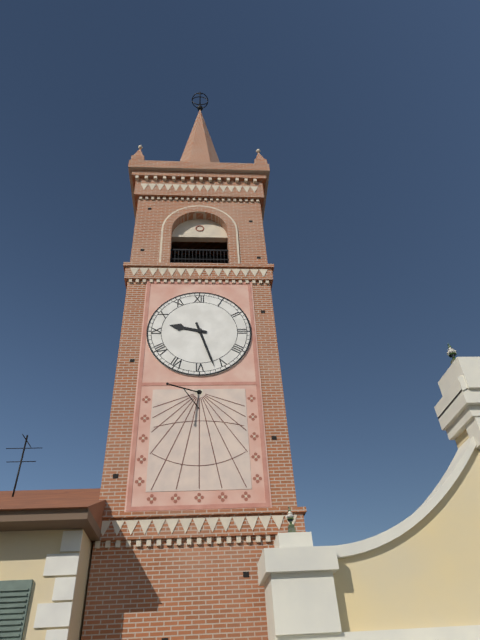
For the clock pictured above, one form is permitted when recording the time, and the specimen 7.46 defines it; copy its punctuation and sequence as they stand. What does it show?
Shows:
9.27
